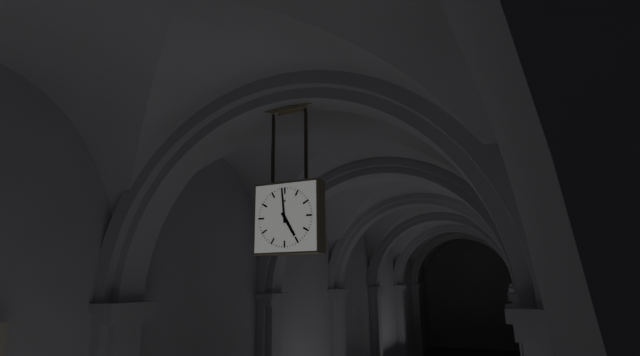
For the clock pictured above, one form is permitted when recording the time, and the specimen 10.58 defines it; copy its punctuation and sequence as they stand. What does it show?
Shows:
4.59
